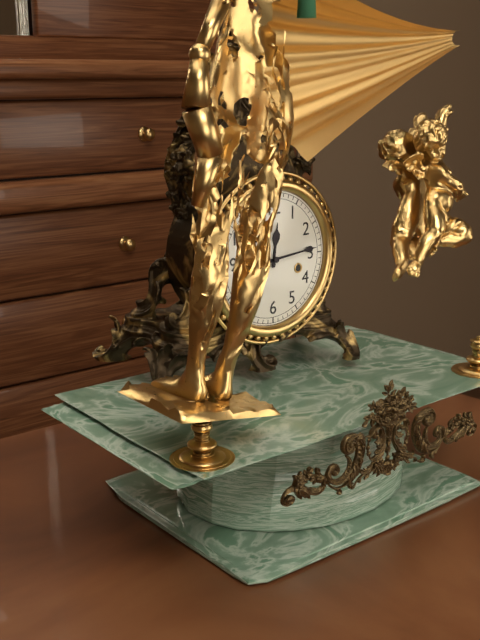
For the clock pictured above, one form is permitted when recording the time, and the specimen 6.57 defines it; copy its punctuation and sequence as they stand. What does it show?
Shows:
12.14
